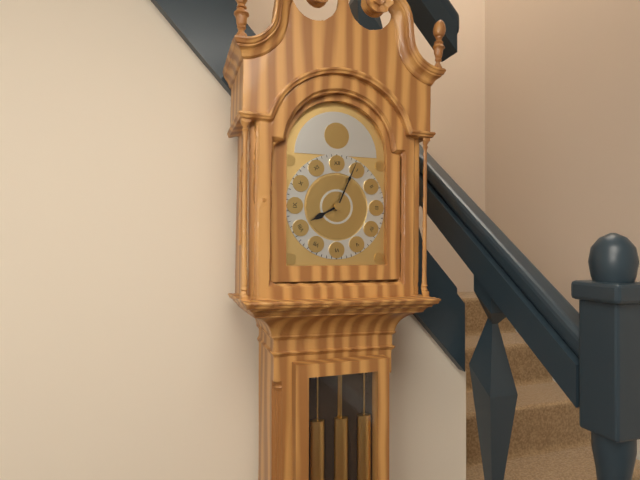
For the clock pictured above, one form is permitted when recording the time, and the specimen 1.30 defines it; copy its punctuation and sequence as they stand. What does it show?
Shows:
8.04
